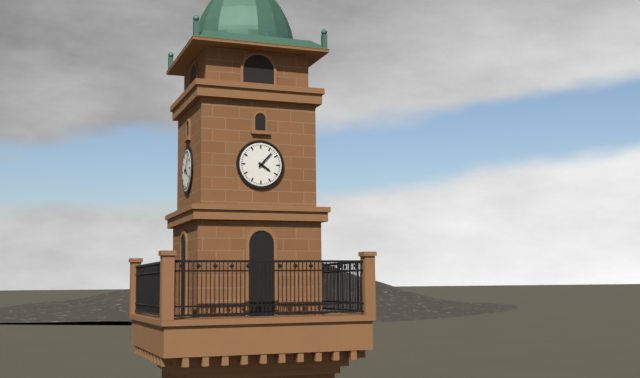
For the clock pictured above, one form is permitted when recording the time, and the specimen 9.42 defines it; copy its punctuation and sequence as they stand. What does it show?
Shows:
4.07
